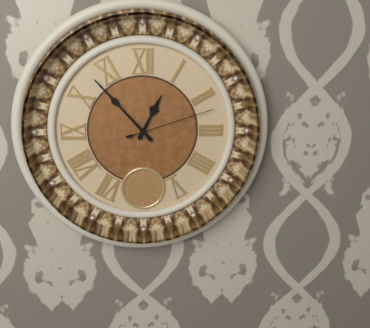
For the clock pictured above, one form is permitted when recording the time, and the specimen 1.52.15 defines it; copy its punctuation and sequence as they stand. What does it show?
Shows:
12.53.12
